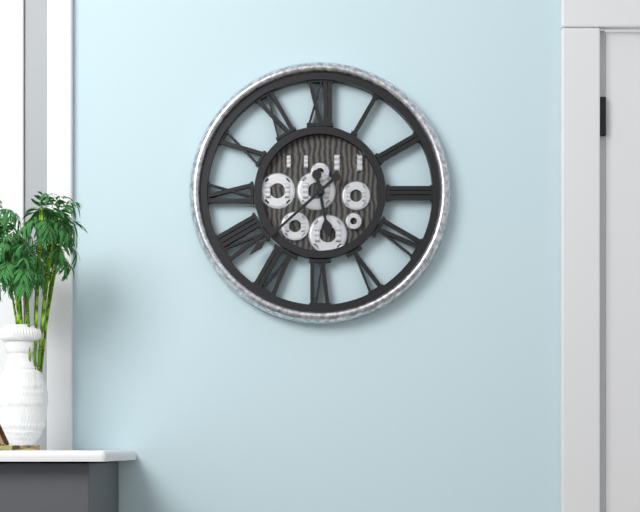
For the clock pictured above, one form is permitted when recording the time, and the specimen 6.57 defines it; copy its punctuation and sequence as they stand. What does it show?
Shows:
5.38
